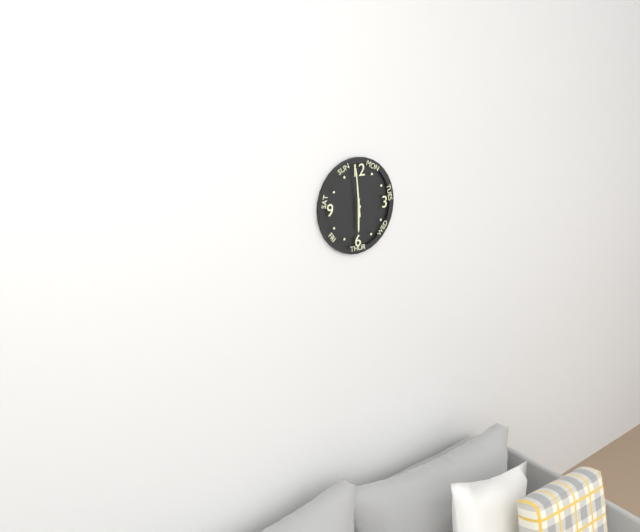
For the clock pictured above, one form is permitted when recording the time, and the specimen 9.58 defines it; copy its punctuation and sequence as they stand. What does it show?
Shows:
5.59
